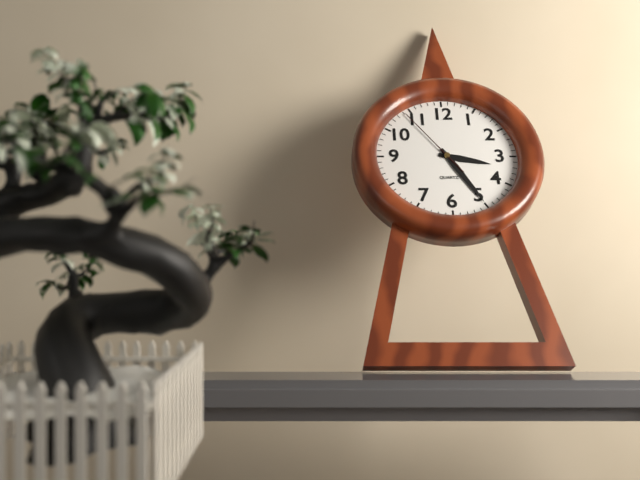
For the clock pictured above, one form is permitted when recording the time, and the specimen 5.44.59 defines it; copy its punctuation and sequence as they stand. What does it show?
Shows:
3.25.54
